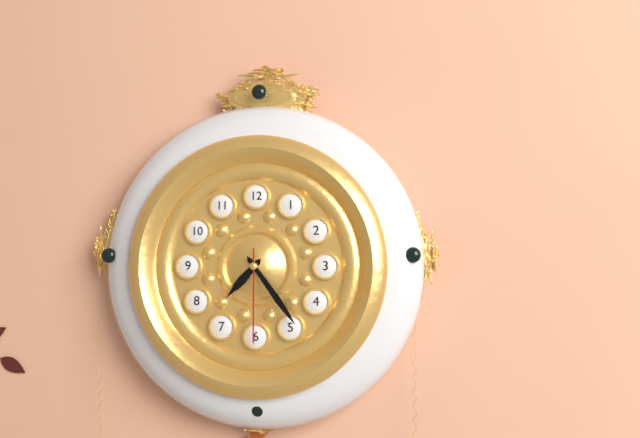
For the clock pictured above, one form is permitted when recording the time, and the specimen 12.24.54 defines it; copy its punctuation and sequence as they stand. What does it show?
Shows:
7.24.30
